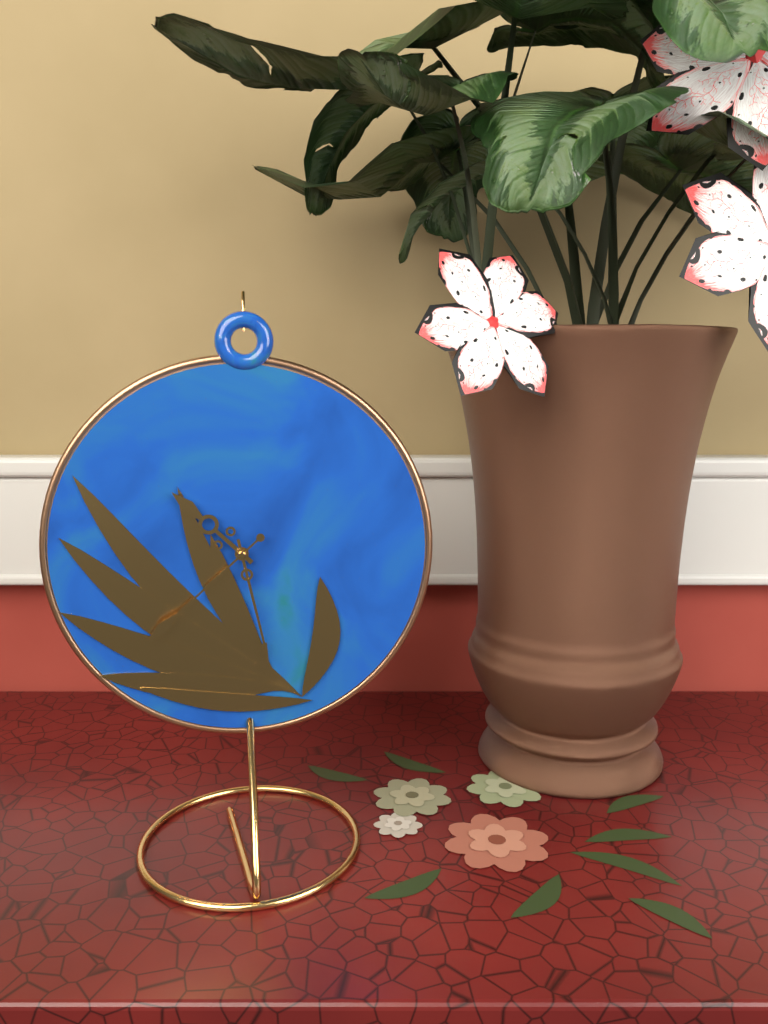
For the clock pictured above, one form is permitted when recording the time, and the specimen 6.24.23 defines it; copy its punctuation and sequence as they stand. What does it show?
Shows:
10.28.38
